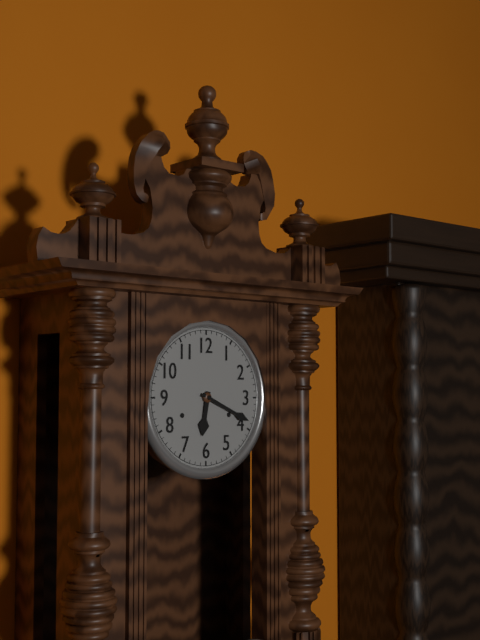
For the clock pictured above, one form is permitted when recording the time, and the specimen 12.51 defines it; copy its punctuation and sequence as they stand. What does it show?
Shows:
6.19
